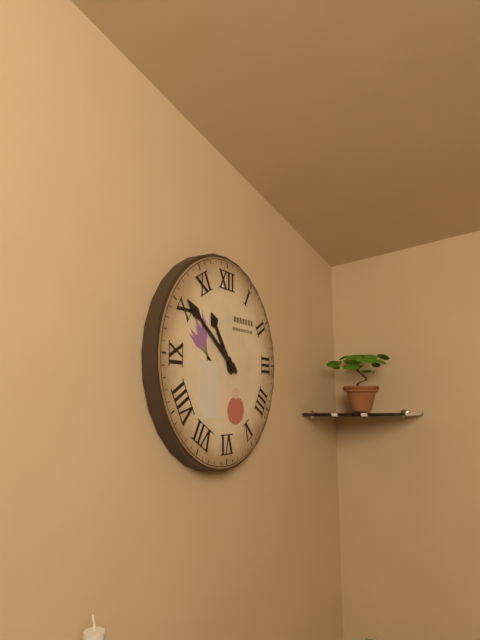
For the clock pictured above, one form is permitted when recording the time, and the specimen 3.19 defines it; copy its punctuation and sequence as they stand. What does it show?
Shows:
10.51
